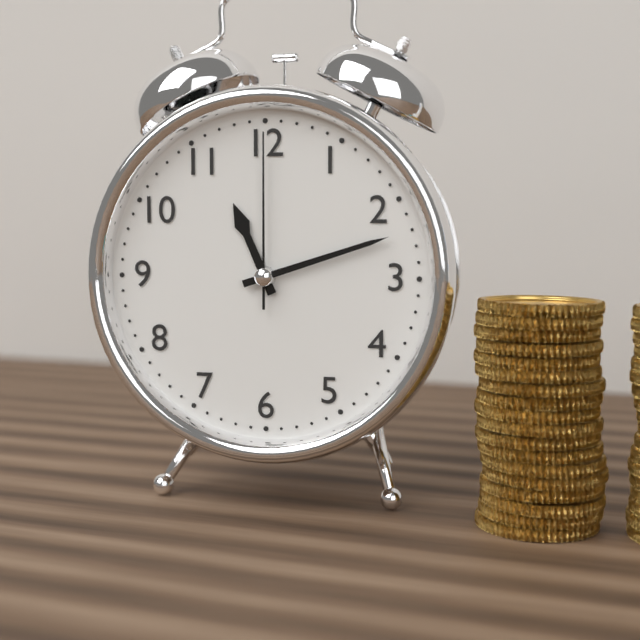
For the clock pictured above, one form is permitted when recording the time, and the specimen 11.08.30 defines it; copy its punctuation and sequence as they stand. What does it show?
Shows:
11.12.00
